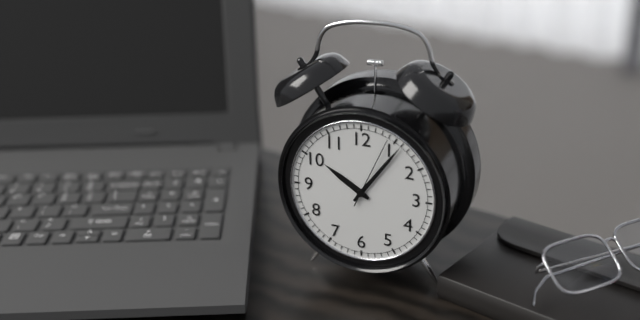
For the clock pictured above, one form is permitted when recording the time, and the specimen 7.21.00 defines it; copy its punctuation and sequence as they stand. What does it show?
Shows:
10.06.04
